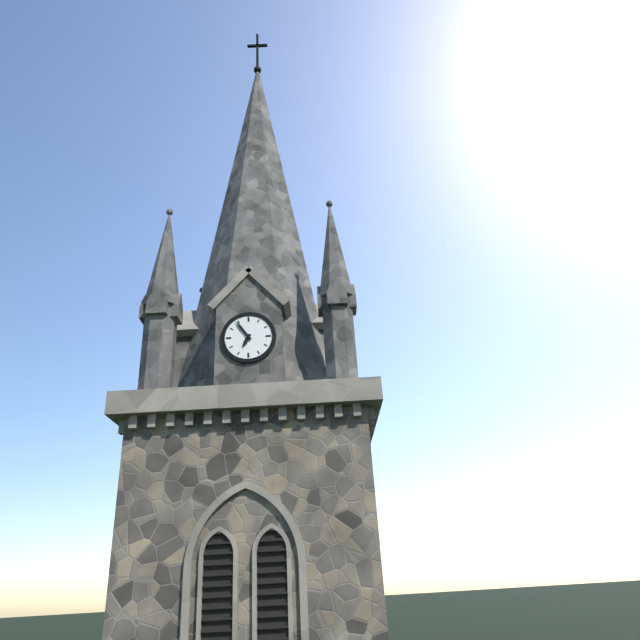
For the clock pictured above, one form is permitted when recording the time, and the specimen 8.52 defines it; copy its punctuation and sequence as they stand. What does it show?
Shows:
6.54
